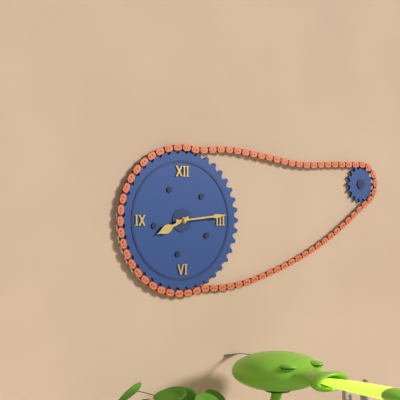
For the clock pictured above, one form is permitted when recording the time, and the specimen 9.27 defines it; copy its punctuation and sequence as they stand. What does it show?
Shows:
8.14
